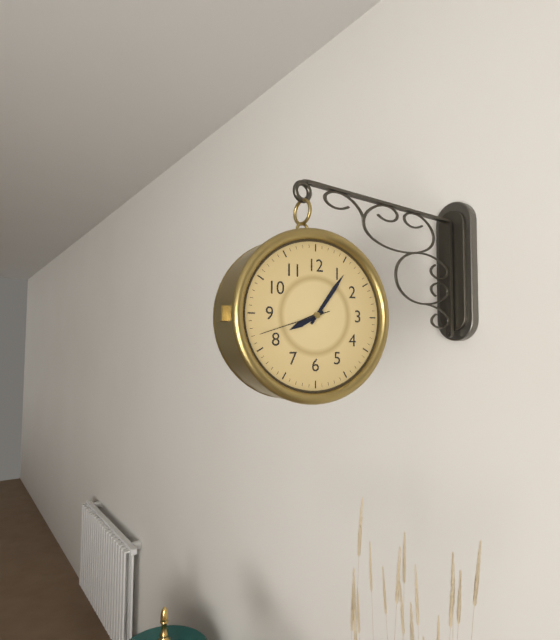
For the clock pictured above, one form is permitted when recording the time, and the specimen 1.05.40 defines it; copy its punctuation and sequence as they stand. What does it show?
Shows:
8.06.42
